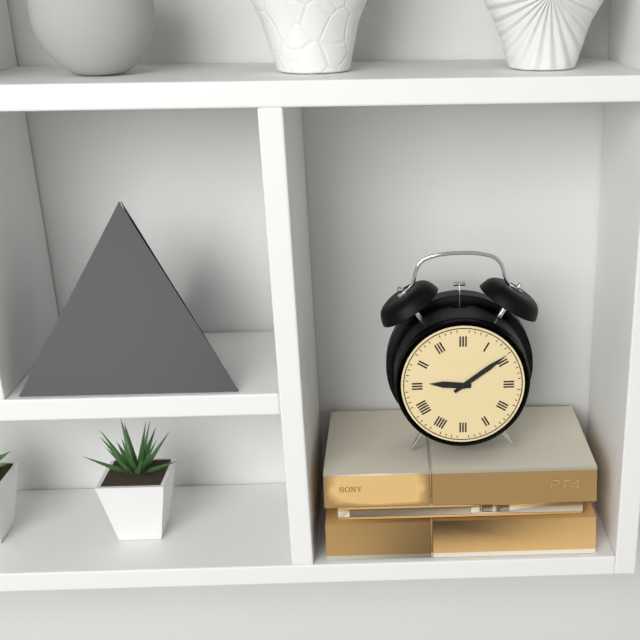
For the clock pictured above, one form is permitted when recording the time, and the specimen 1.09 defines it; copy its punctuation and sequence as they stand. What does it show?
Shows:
9.09
